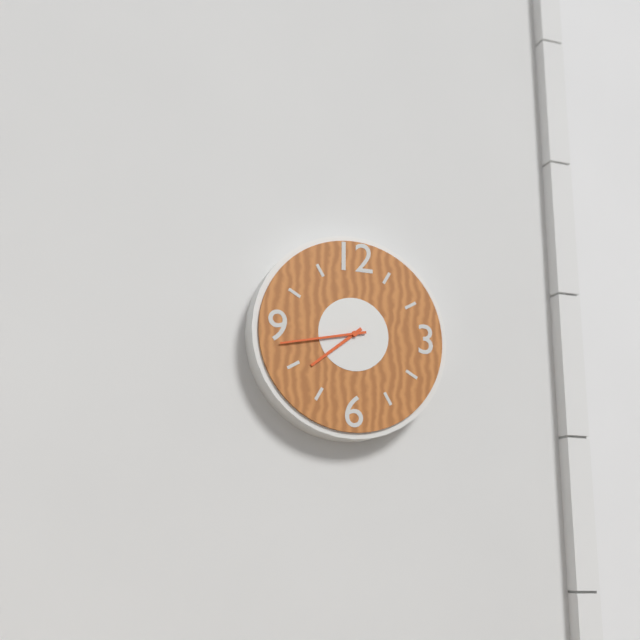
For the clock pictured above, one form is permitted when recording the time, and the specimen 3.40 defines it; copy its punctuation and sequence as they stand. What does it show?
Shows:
7.43
